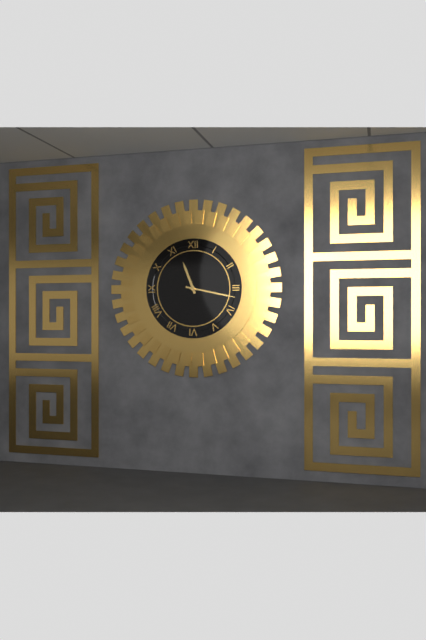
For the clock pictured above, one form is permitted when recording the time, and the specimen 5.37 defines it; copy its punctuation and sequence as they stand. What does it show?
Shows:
11.17
